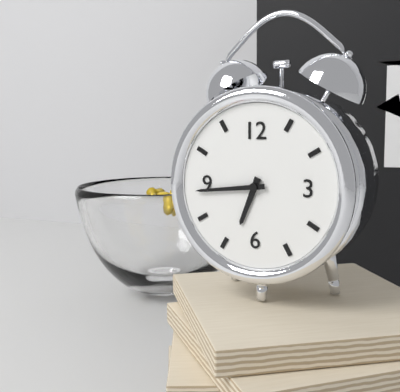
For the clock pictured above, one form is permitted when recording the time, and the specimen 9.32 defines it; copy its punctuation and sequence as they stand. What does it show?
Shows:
6.44
